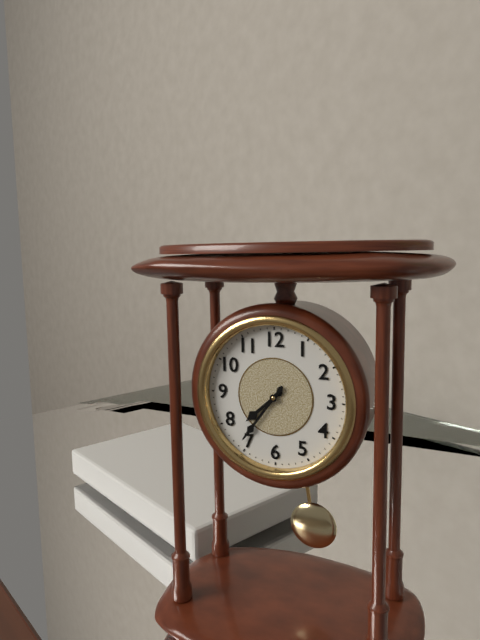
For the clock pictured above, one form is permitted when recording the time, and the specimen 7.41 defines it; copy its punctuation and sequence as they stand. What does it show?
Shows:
7.36
